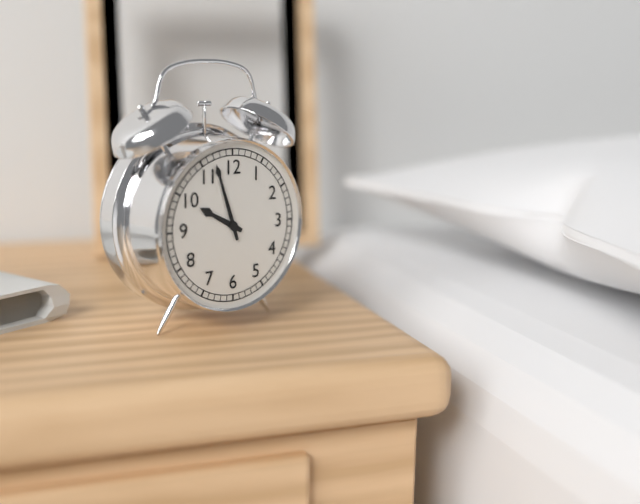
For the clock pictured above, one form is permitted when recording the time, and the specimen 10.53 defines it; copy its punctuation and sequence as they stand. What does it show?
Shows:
9.57
